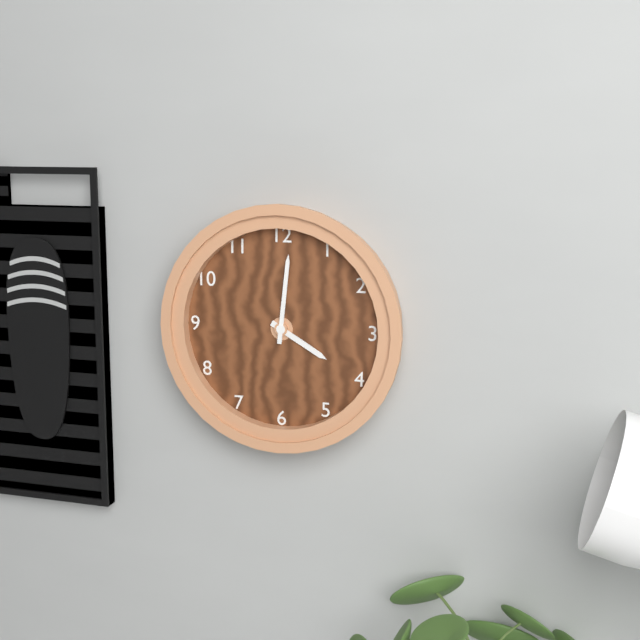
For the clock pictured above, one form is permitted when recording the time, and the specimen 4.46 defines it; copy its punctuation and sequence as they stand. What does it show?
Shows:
4.01
